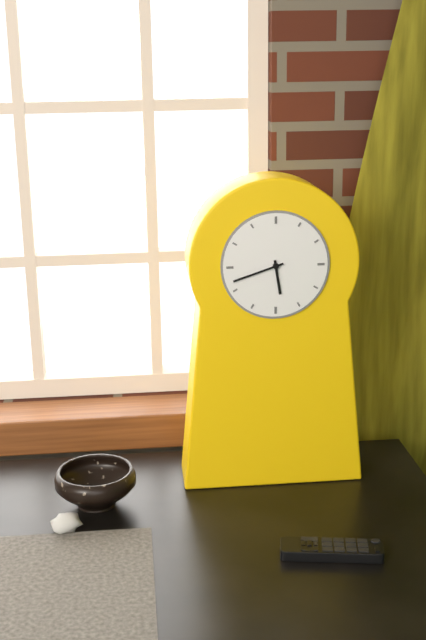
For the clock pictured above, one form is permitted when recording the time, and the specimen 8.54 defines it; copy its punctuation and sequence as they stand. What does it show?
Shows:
5.42
